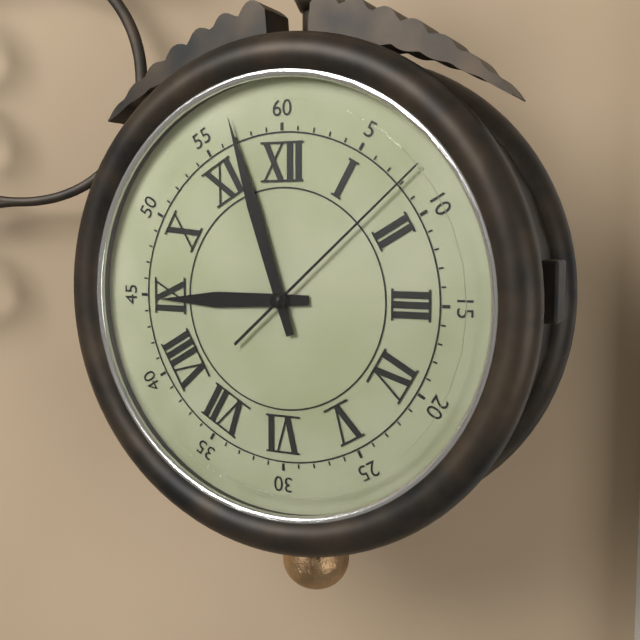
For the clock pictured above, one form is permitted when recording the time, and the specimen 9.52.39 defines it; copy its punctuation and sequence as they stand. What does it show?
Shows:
8.57.08
